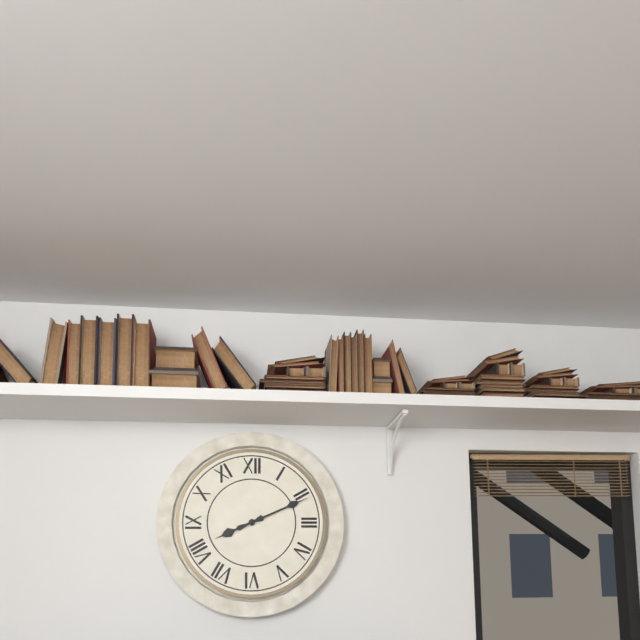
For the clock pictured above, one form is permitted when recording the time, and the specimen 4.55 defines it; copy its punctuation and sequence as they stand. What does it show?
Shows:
8.11
